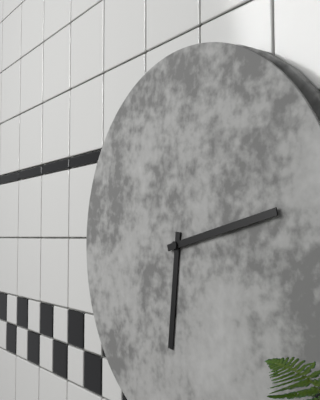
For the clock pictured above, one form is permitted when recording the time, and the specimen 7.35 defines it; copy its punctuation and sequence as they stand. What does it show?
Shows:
6.13
